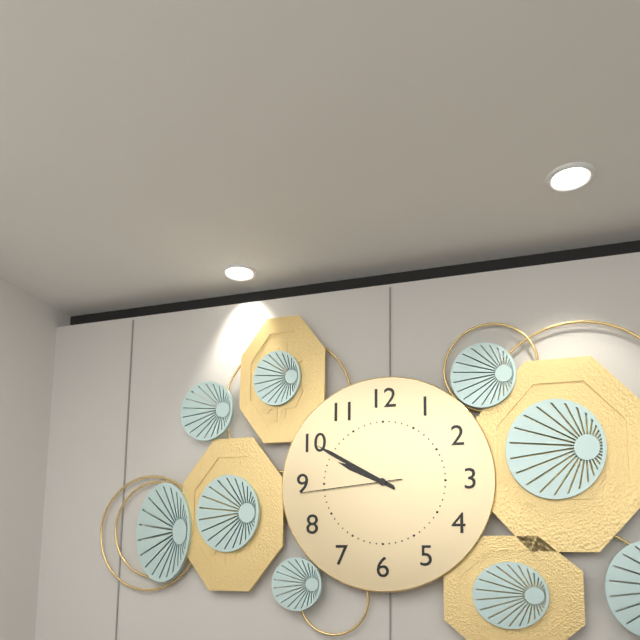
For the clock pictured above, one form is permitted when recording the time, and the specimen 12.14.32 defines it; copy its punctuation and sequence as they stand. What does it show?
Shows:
9.50.44
